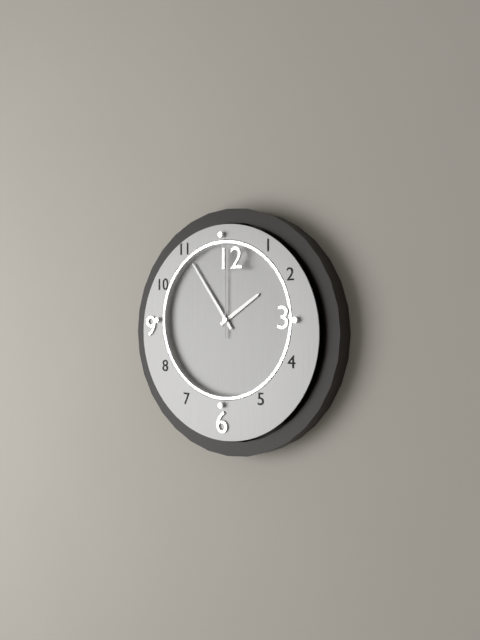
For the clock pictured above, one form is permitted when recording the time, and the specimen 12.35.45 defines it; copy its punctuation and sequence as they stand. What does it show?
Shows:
1.54.00
